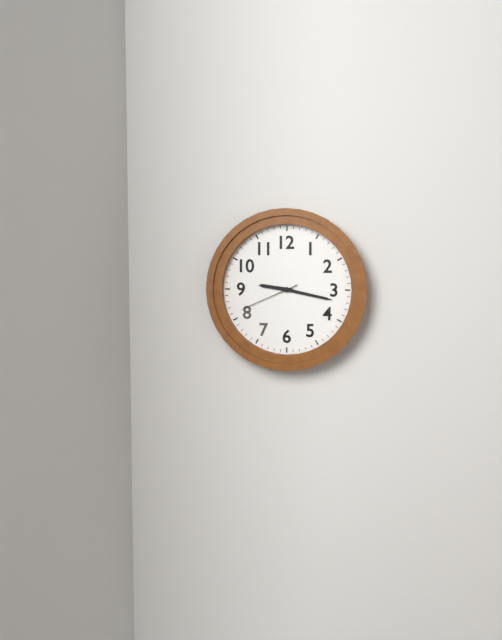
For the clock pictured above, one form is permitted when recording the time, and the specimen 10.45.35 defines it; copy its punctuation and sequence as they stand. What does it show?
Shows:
9.17.41
